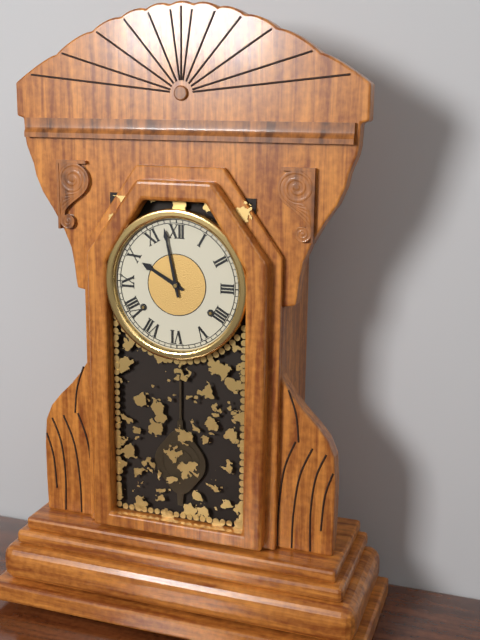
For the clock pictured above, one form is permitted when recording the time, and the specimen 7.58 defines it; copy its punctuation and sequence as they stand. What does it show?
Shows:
9.58
